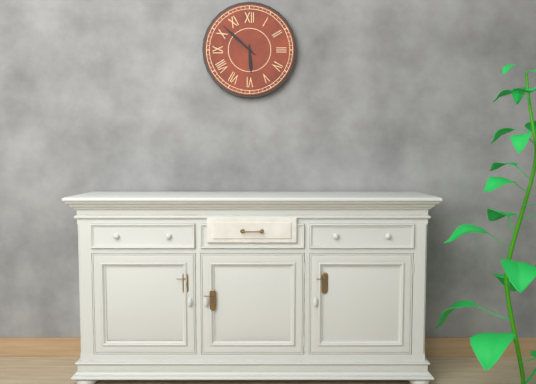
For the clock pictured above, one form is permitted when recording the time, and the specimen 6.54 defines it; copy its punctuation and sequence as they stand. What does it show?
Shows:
5.52
